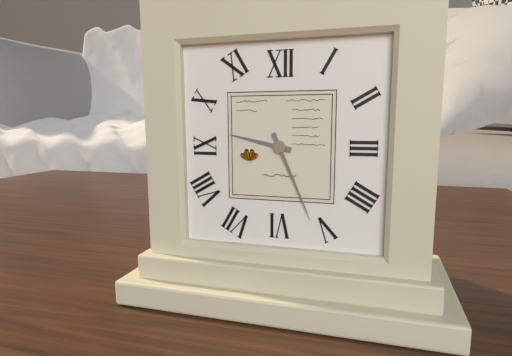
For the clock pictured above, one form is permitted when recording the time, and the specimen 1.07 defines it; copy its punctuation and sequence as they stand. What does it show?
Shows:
9.26
